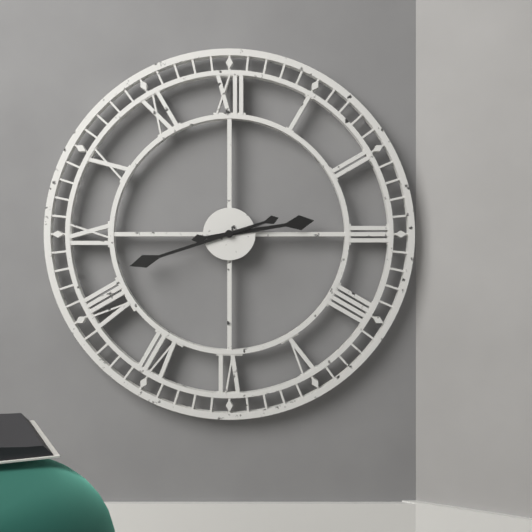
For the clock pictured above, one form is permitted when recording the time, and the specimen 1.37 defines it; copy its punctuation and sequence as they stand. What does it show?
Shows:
2.42
